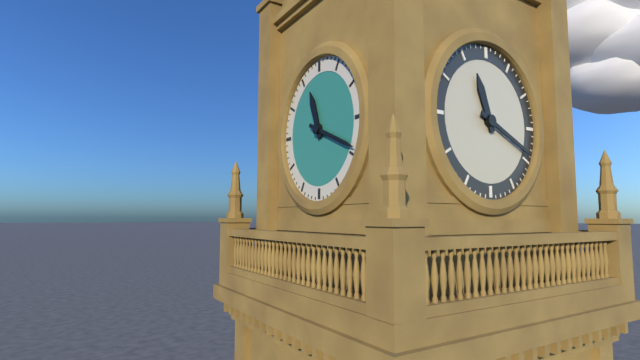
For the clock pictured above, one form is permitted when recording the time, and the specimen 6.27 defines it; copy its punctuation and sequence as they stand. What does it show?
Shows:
11.19
